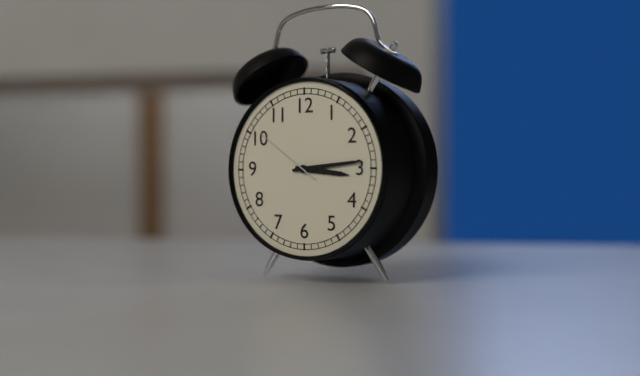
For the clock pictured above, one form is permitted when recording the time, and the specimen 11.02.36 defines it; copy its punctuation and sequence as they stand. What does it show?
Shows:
3.14.51
